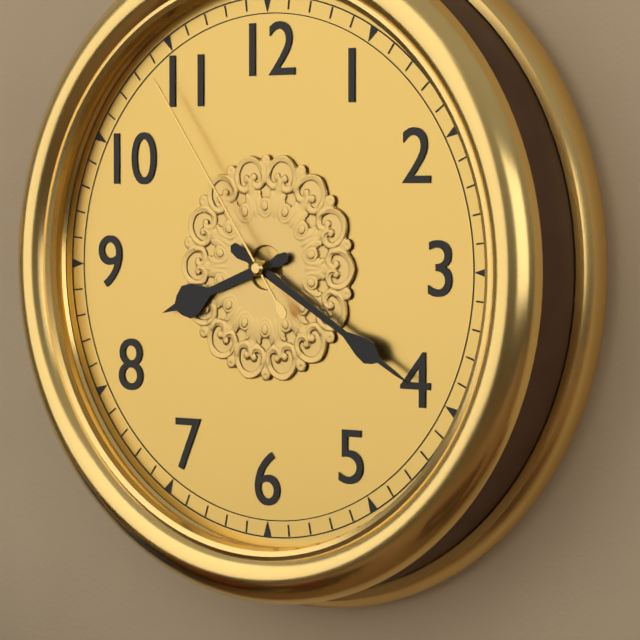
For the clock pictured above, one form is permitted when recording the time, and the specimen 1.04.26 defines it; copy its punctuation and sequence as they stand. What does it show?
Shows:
8.20.54
